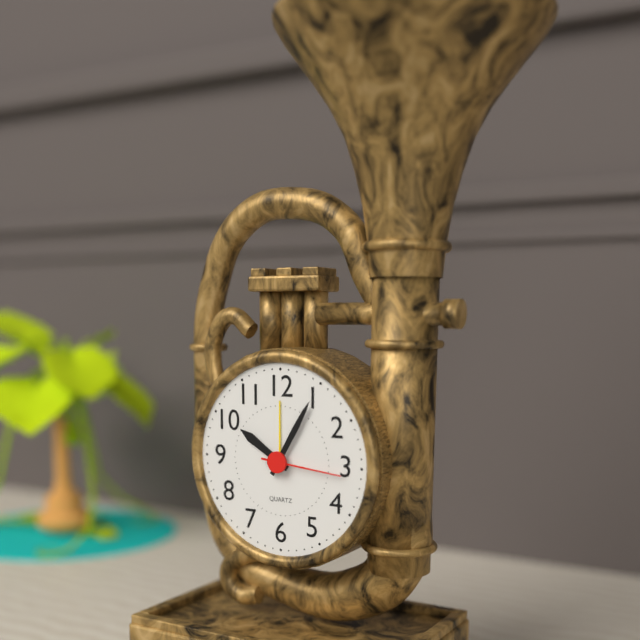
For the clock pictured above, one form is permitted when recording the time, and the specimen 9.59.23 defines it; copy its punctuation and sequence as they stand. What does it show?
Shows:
10.05.16
